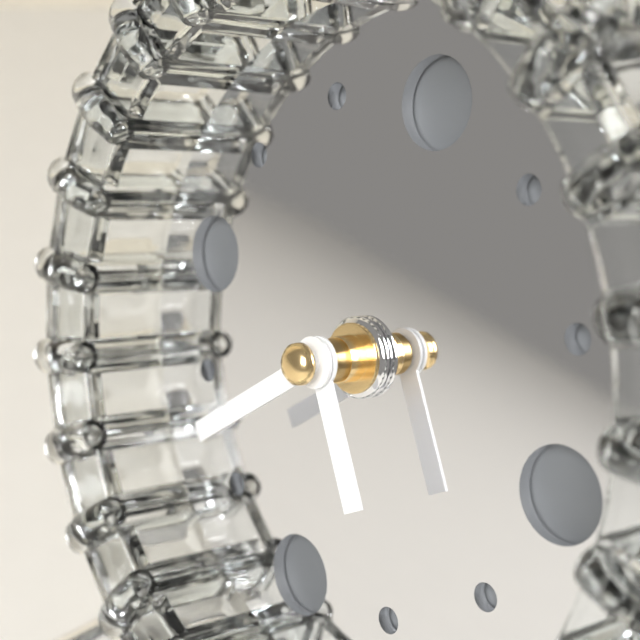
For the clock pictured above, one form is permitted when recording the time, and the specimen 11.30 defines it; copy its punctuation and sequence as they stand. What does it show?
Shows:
4.37
